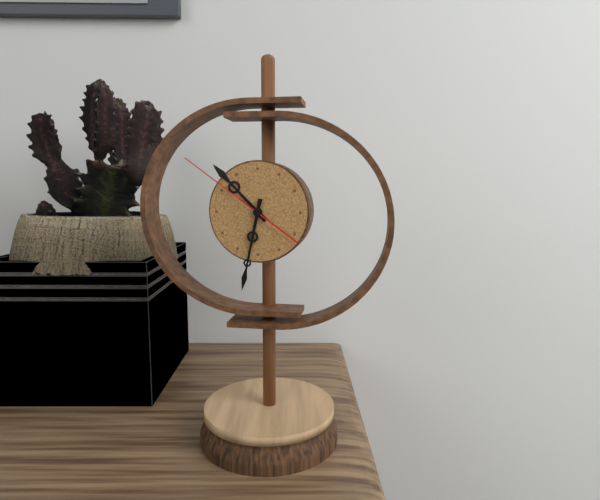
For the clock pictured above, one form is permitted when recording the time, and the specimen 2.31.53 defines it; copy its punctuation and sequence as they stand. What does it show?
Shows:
10.32.51
